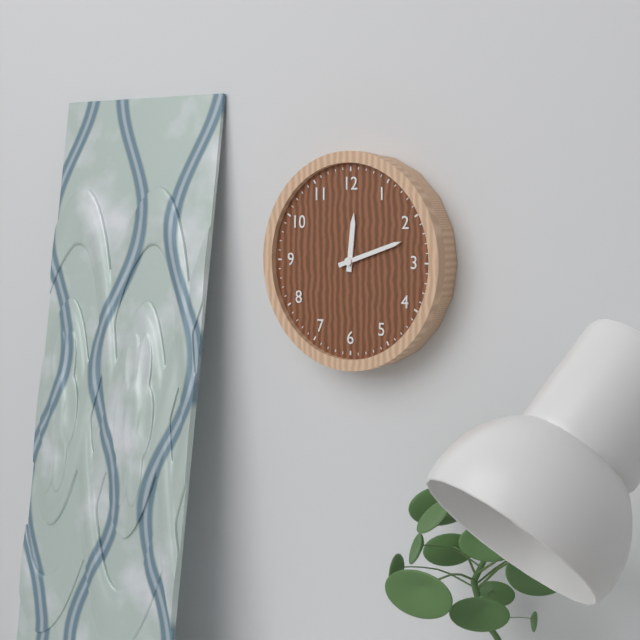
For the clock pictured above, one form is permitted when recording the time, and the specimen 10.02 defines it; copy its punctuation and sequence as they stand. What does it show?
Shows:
12.12
